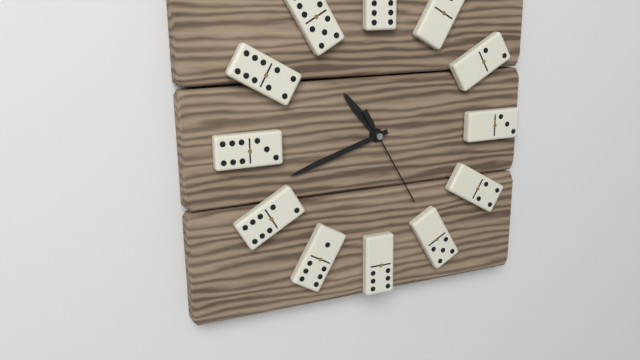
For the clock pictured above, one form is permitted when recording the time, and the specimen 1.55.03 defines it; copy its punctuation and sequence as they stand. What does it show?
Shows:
10.42.25
